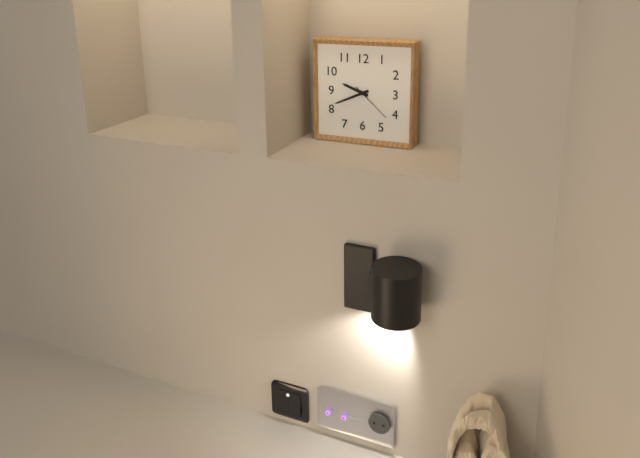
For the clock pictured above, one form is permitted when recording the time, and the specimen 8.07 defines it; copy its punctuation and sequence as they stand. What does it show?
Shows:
9.41
